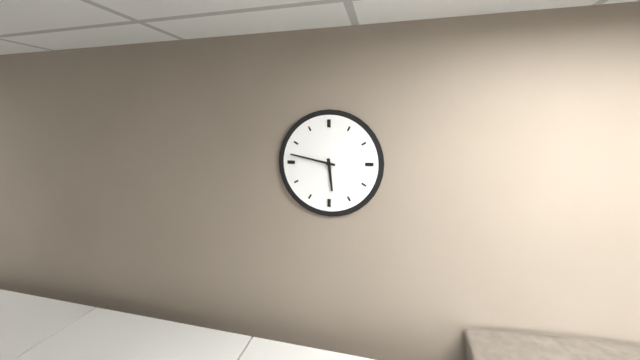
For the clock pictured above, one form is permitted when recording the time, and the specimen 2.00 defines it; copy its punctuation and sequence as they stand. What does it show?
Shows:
5.47
